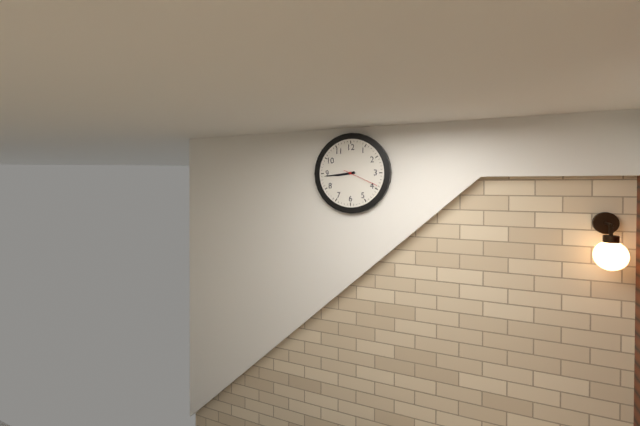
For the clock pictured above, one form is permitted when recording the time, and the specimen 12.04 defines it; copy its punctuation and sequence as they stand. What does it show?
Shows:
8.44
